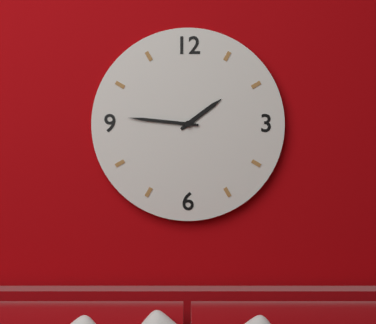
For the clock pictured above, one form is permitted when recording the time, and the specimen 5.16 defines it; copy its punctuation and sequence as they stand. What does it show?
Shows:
1.46
